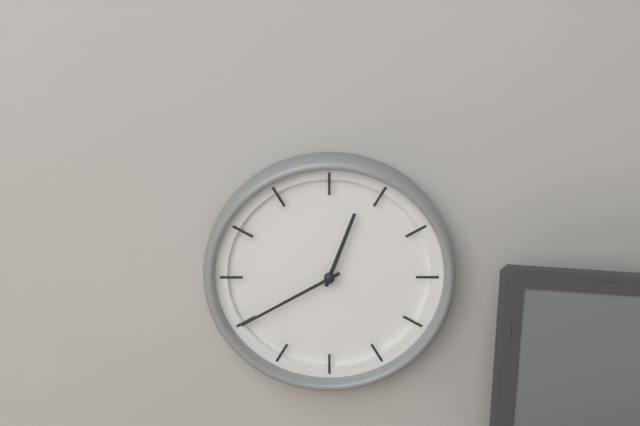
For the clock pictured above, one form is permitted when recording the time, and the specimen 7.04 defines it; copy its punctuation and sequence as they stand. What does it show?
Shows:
12.40
